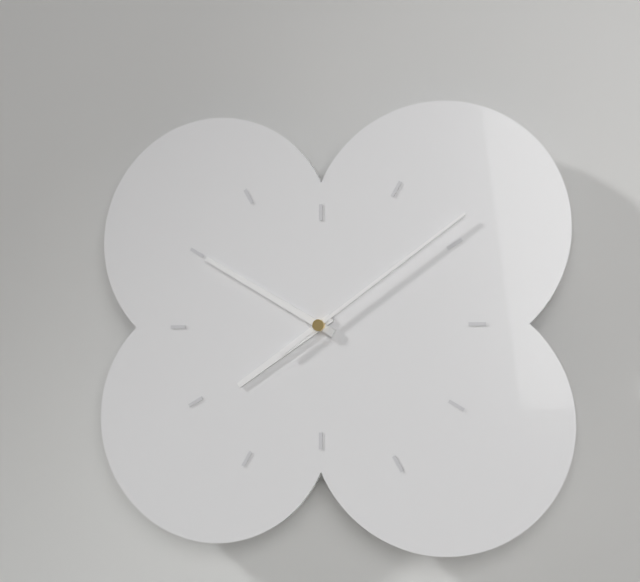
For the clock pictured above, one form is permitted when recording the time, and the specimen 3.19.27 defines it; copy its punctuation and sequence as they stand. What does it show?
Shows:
7.50.09
